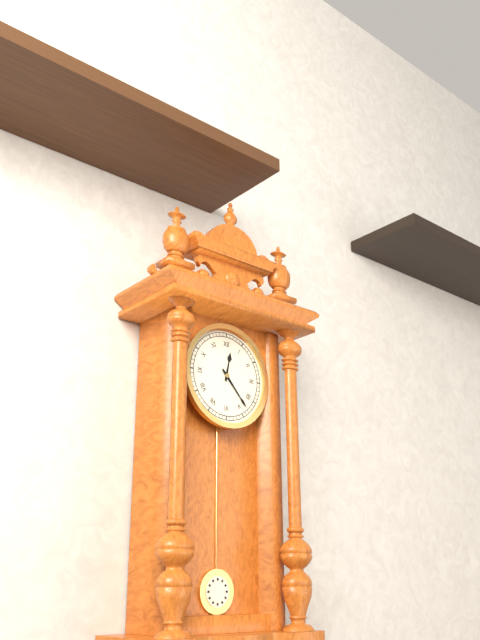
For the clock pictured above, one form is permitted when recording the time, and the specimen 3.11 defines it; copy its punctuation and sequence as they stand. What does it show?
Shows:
12.23
